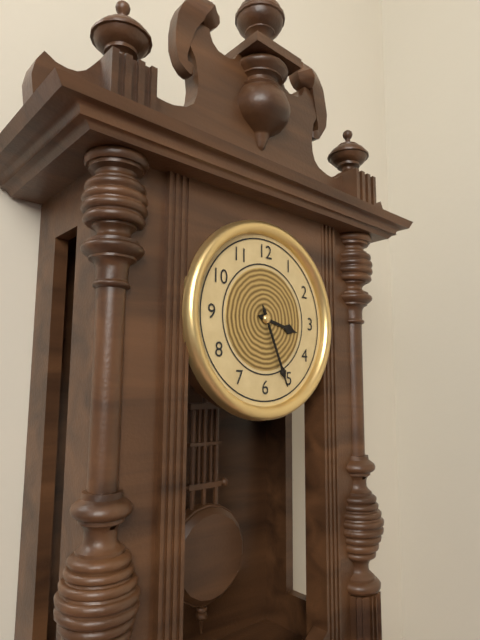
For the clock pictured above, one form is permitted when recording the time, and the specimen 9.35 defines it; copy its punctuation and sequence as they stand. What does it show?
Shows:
3.26
